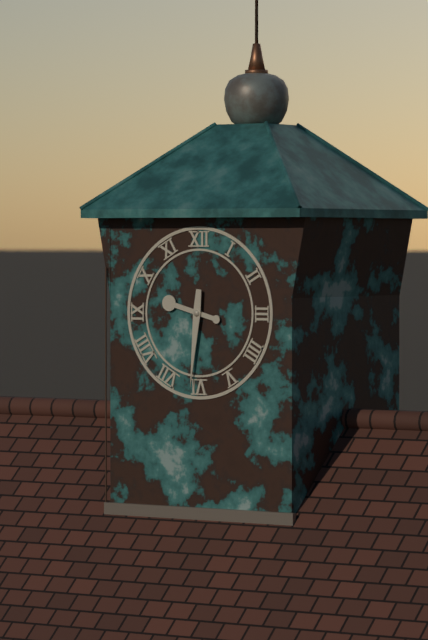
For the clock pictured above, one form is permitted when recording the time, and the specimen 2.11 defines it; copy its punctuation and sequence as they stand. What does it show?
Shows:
9.31
